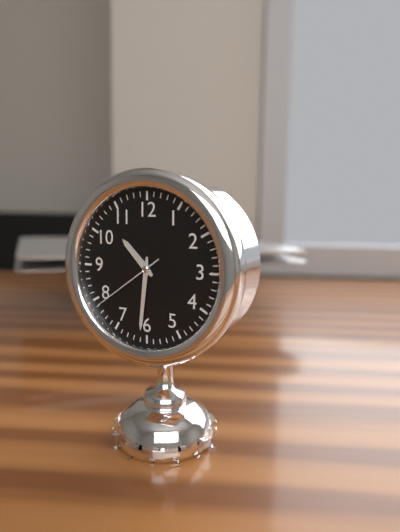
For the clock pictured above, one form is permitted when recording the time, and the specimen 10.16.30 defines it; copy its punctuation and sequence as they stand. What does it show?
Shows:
10.31.39
